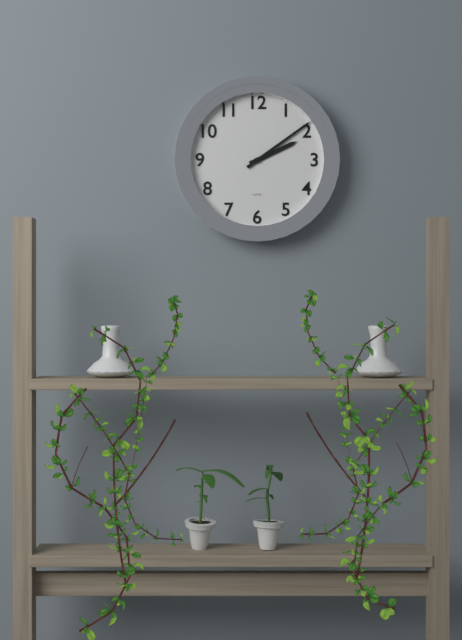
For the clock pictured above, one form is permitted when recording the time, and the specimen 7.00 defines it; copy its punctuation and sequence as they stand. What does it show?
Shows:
2.09
